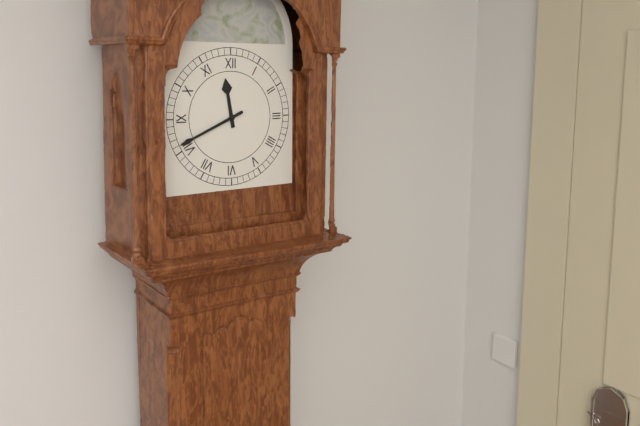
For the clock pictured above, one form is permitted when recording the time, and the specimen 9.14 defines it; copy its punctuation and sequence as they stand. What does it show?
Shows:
11.41
